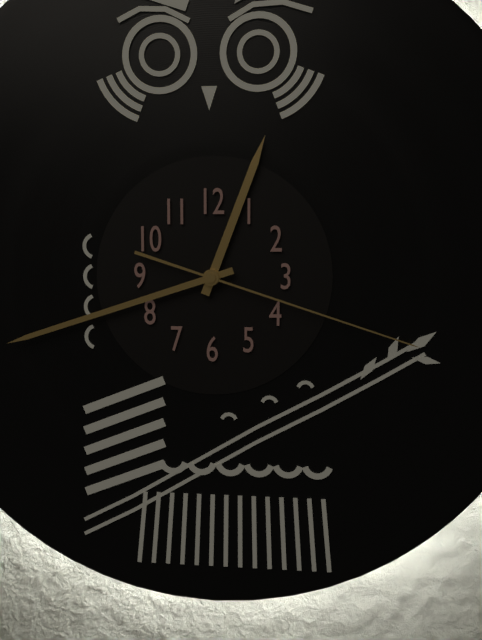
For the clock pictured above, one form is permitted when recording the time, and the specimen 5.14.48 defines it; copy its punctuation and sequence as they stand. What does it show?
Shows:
12.42.18
